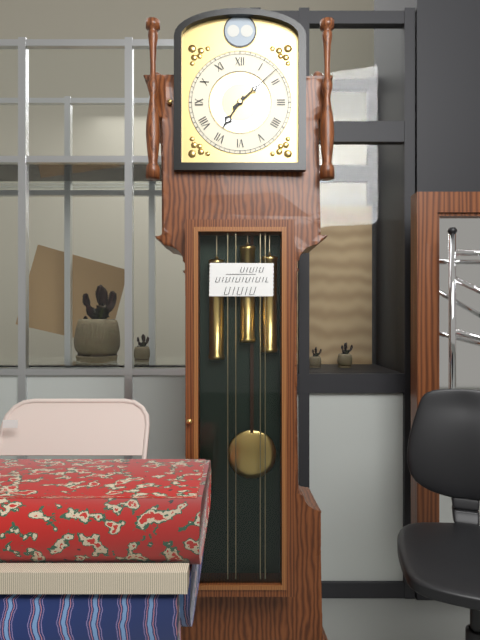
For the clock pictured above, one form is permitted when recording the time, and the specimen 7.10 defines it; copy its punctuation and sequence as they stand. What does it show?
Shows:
7.08
